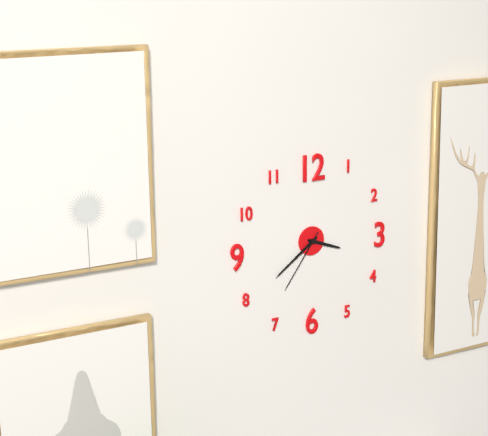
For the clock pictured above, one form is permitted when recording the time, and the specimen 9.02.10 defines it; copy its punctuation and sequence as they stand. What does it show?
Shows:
3.39.36
